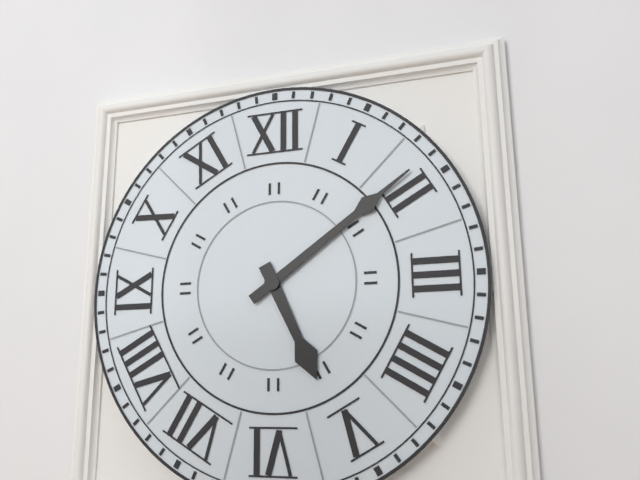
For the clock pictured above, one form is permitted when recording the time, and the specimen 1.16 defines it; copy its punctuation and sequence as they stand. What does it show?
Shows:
5.09
